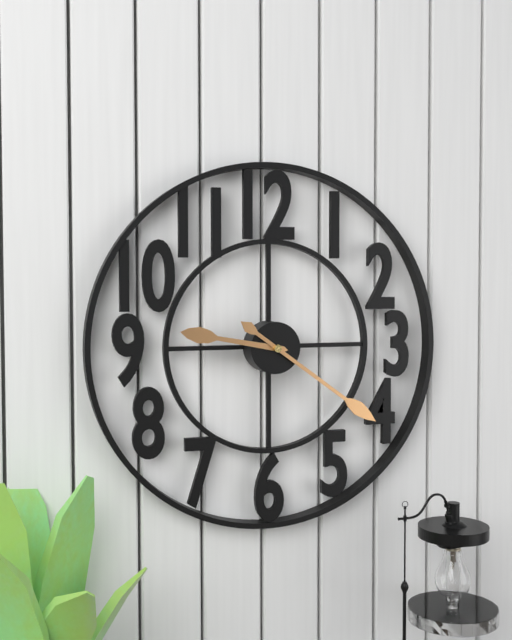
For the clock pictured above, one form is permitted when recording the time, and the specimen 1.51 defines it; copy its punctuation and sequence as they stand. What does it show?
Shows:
9.21
